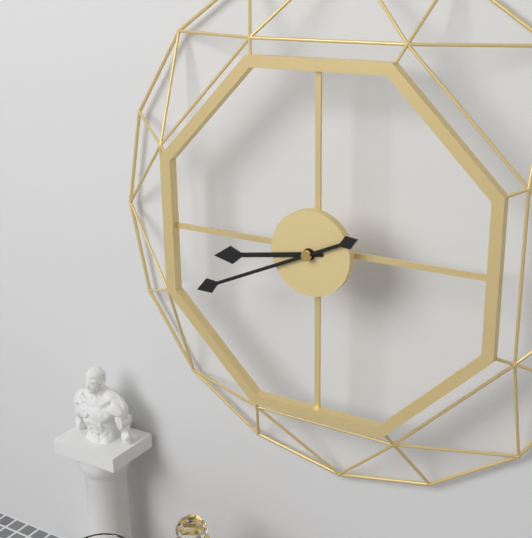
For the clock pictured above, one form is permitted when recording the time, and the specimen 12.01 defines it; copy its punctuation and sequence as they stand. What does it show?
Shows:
8.41
